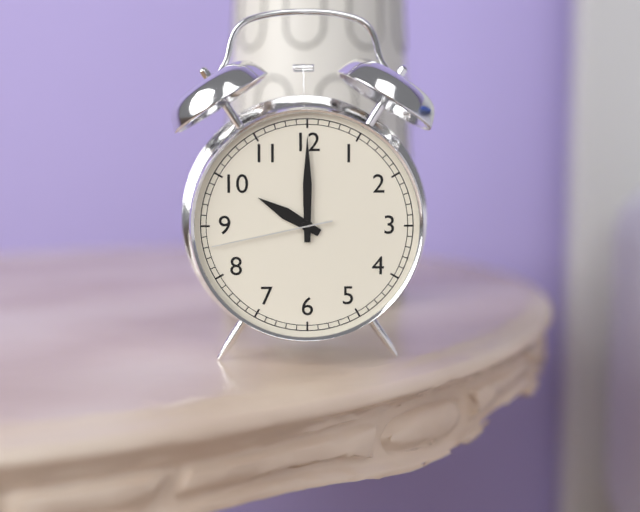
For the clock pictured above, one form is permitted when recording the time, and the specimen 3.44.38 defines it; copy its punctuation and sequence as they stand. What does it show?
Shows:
10.00.43
